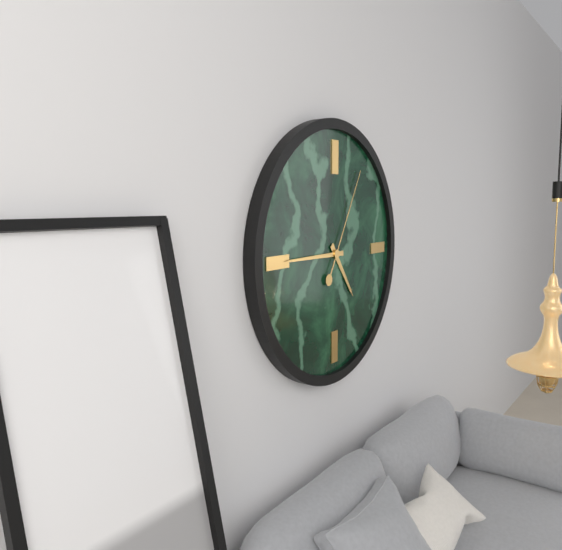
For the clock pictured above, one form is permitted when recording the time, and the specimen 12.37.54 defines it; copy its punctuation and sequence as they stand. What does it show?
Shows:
4.45.05
